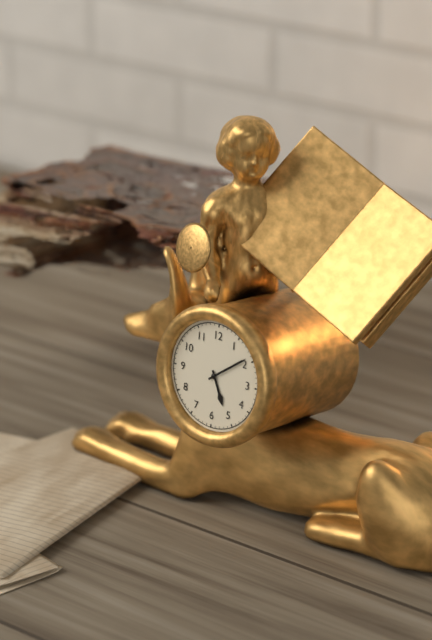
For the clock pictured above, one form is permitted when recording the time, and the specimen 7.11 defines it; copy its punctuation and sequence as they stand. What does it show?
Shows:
5.09
